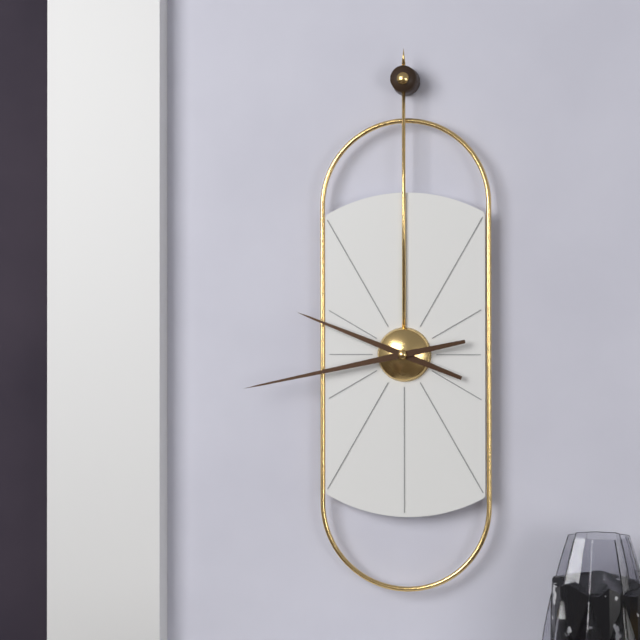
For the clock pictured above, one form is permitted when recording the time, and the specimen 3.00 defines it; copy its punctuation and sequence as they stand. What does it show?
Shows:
9.43
